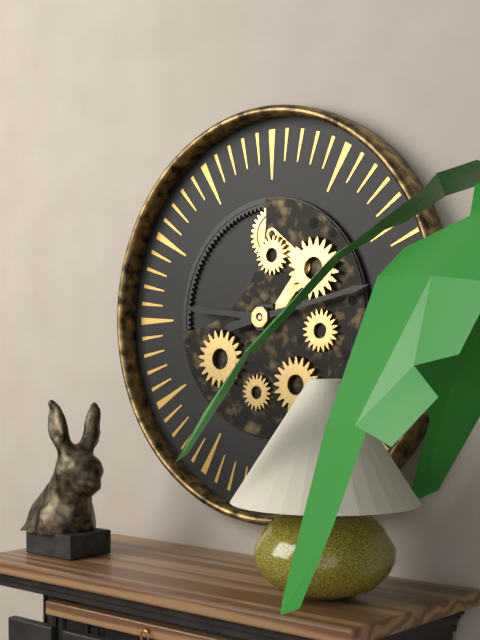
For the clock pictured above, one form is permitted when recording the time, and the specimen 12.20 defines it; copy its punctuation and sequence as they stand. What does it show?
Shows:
9.13
